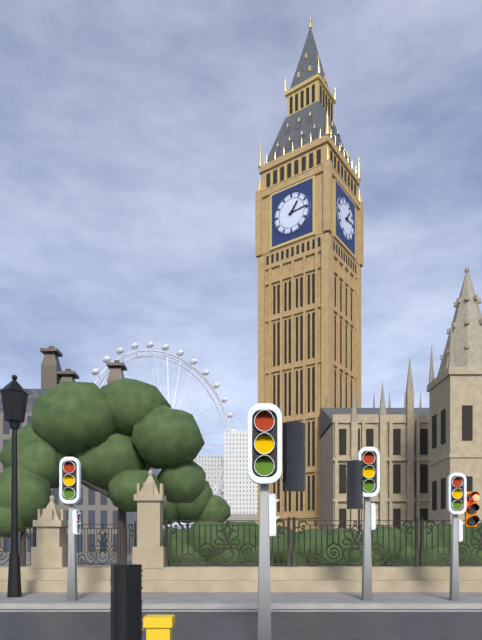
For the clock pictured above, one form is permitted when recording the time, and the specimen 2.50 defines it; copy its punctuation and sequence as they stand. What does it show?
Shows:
1.14
